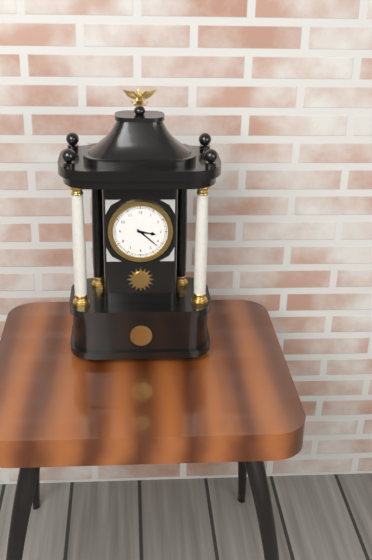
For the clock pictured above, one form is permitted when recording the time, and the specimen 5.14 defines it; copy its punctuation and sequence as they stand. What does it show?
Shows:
3.22
